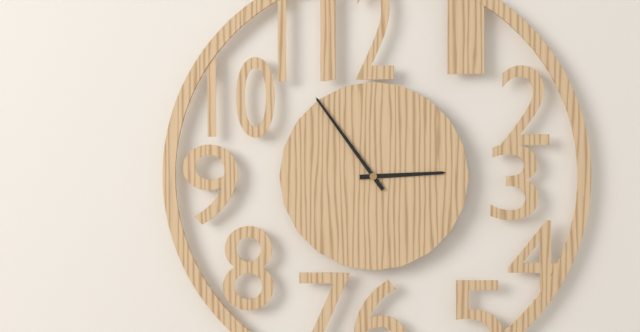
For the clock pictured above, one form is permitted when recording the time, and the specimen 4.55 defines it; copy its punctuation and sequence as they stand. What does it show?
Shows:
2.54
